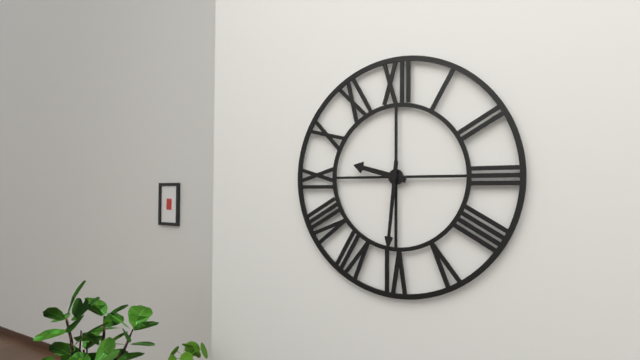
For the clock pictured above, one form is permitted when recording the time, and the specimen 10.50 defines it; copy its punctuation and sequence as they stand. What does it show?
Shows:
9.31
